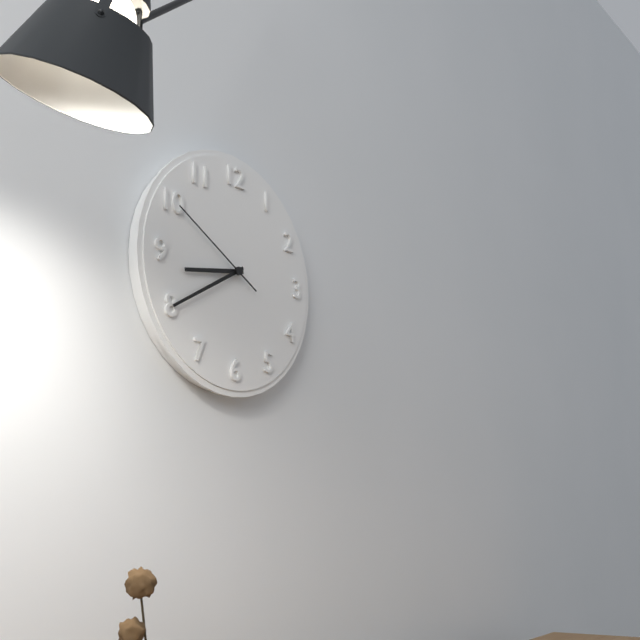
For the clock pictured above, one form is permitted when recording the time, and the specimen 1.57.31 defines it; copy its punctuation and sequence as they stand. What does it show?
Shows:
8.40.50
